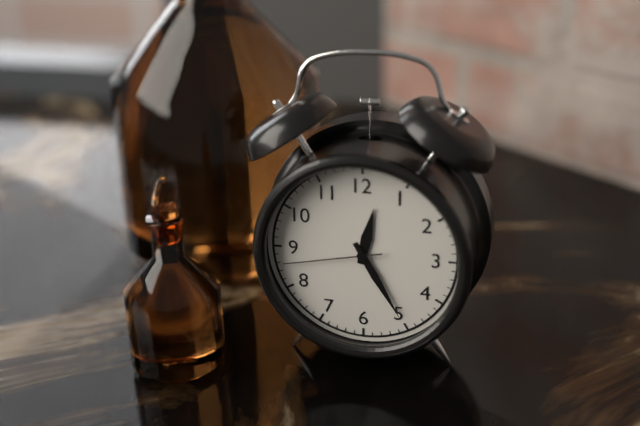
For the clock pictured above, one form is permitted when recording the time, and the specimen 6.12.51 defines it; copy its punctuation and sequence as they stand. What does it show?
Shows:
12.25.43
